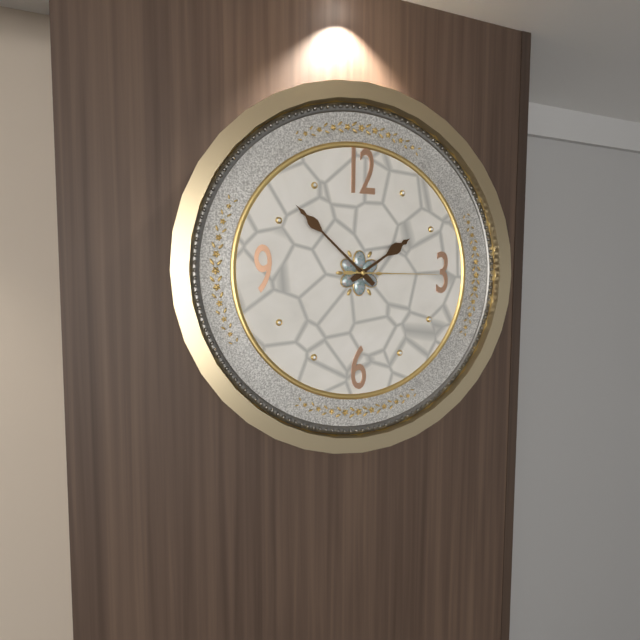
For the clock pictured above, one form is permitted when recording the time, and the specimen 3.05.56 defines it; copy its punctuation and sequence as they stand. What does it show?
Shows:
1.52.15
